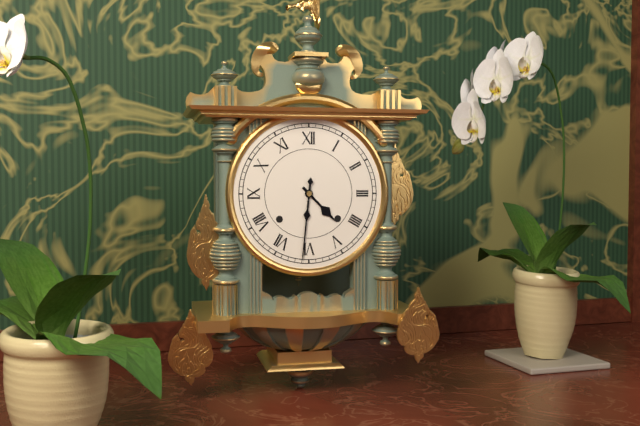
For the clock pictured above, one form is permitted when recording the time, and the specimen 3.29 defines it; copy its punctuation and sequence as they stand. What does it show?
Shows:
4.31
